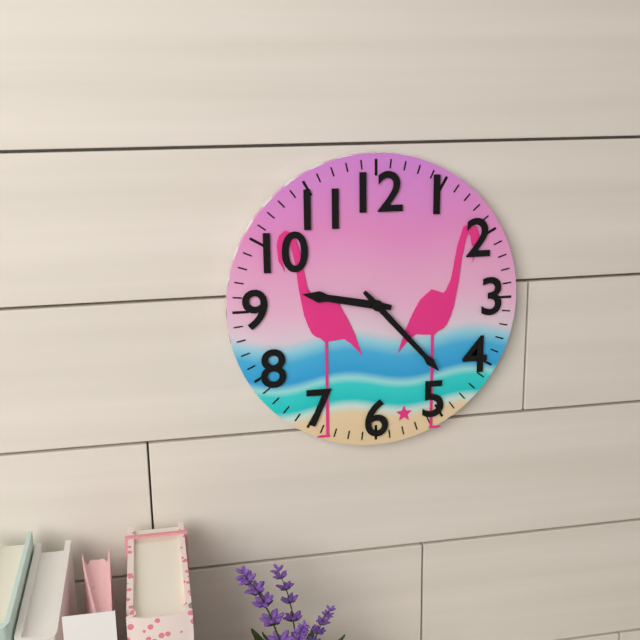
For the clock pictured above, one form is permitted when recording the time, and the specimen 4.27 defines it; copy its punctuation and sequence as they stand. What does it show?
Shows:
9.23
